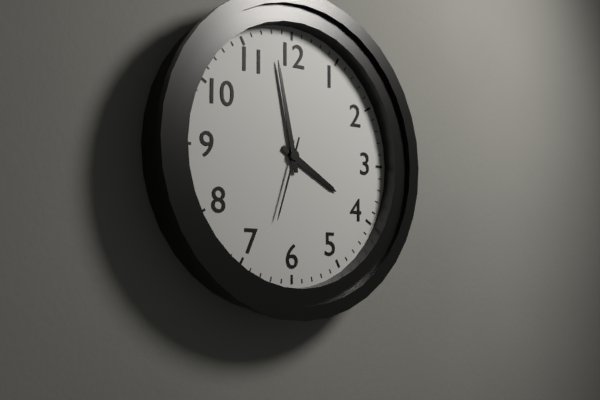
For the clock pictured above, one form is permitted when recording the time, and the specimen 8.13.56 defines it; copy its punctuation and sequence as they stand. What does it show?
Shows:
3.58.33
